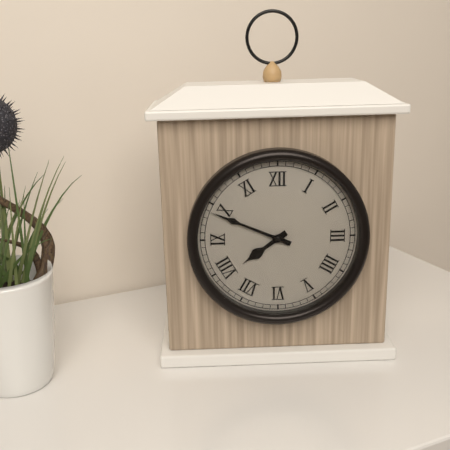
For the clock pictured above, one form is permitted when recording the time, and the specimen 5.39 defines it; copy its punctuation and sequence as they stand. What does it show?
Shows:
7.49
